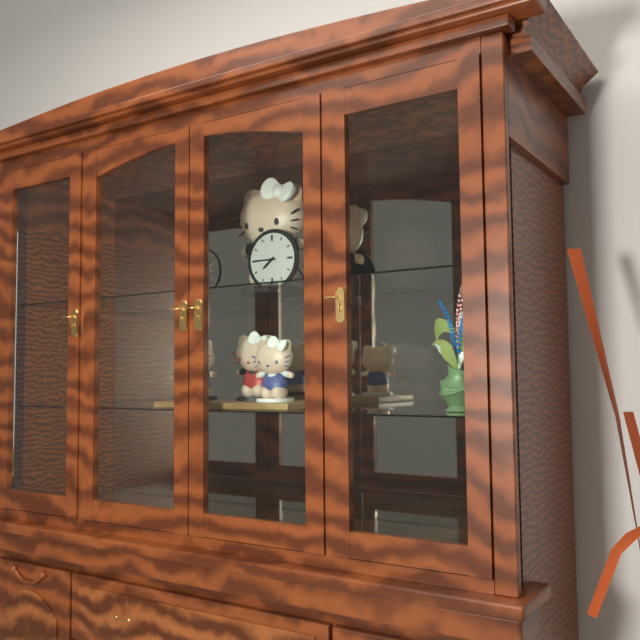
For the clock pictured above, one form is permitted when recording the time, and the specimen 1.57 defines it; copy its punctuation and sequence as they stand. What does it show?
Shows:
7.45
